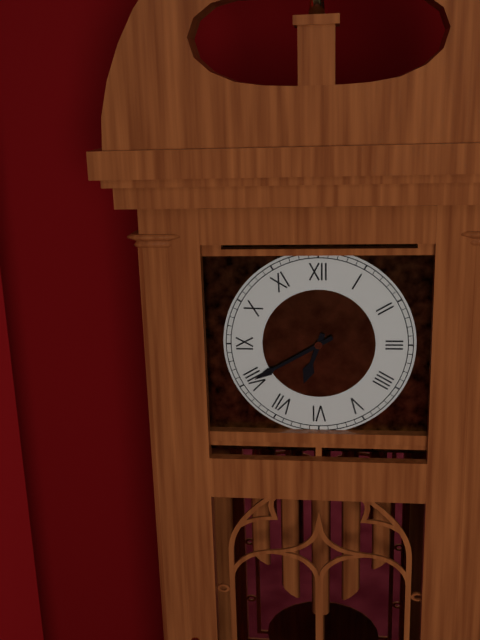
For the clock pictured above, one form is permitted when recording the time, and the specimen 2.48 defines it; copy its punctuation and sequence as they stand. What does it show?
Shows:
6.40
